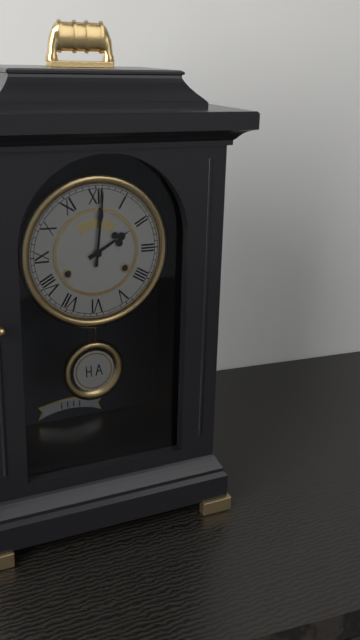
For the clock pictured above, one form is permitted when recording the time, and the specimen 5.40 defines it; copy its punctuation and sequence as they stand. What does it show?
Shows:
2.01
